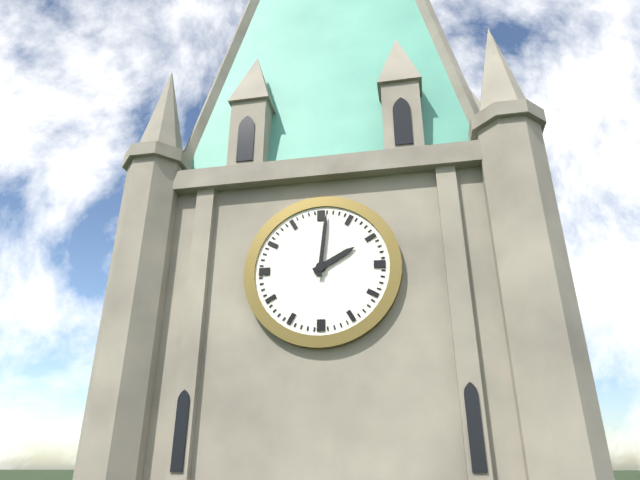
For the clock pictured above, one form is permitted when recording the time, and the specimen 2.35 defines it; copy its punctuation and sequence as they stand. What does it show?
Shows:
2.01
